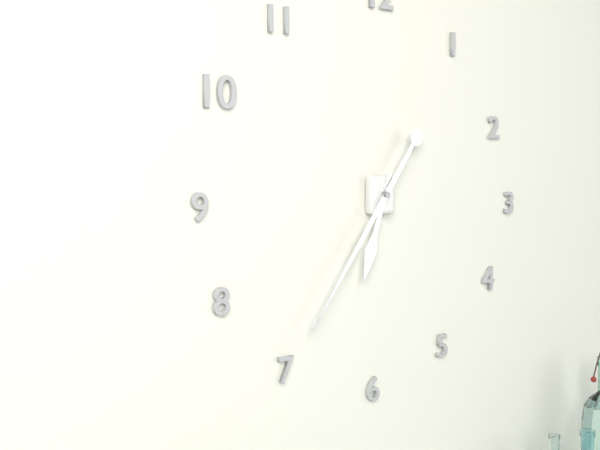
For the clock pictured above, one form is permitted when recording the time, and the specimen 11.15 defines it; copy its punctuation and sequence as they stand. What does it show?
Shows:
6.36
